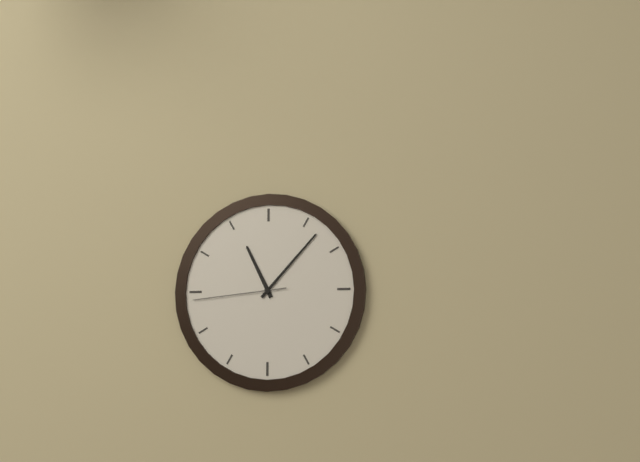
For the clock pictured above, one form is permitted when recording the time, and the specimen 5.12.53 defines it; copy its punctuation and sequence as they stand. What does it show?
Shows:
11.07.44
